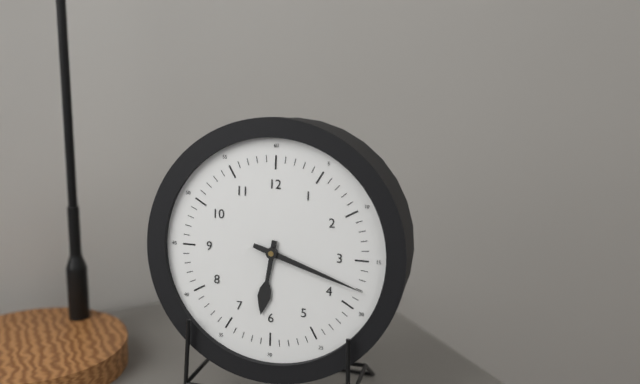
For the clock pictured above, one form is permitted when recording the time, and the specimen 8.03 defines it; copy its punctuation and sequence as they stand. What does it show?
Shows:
6.18
